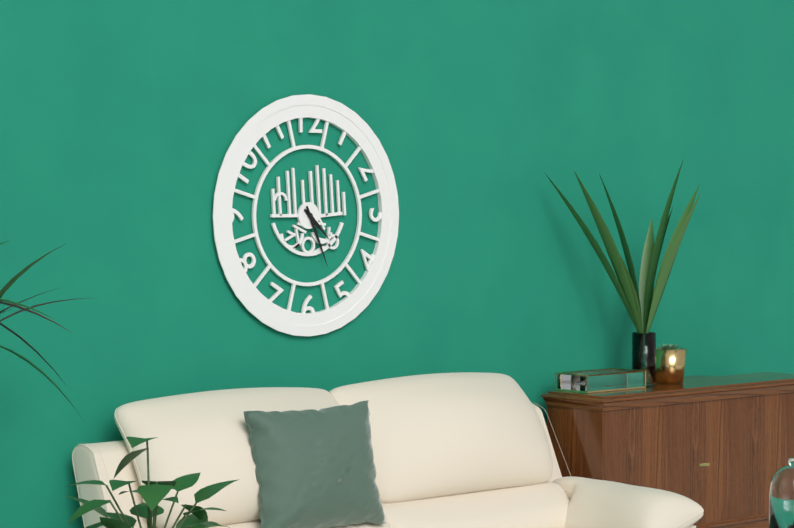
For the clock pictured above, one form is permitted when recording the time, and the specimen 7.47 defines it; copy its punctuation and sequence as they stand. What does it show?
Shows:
4.26
